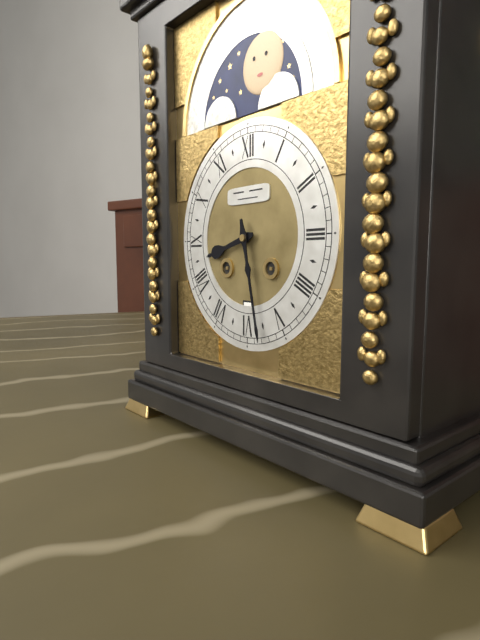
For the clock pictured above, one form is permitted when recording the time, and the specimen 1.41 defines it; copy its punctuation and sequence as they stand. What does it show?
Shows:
8.28
